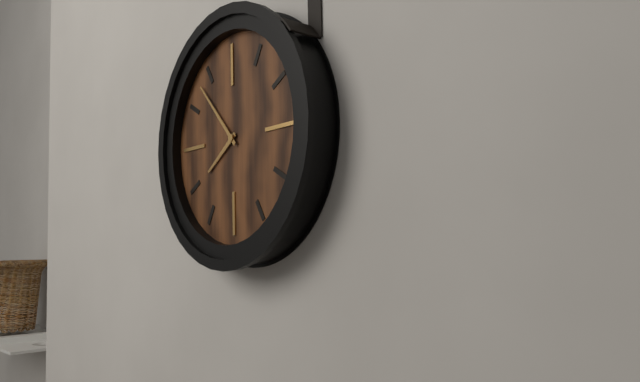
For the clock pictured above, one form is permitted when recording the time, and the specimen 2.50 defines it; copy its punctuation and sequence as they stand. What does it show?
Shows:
7.53
